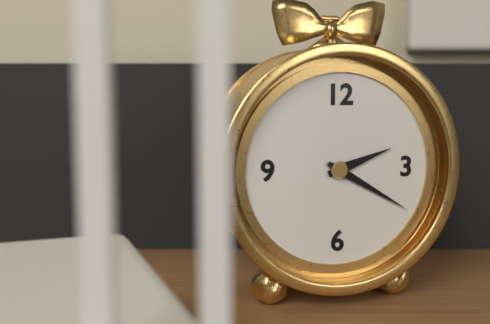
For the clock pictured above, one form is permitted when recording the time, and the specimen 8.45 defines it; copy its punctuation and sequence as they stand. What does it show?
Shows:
2.20
